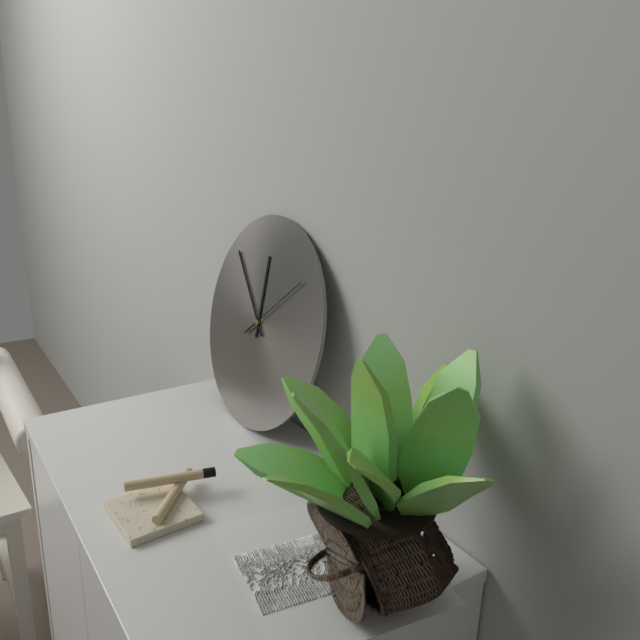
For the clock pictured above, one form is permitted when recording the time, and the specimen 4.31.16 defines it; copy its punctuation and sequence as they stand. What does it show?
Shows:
11.52.08
